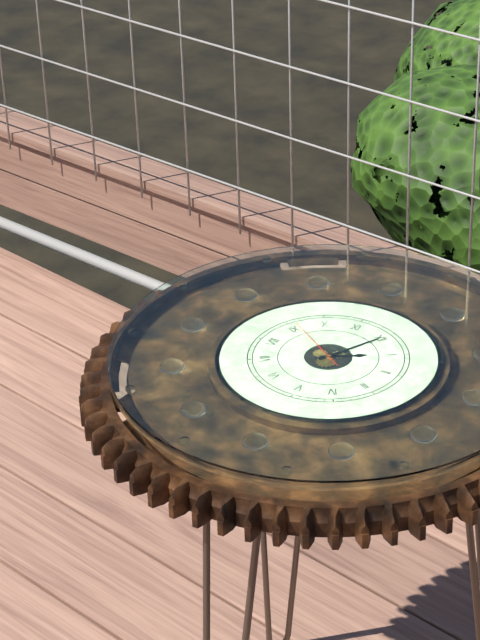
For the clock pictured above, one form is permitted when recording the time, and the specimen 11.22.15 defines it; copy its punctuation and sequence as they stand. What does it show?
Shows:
1.00.46
